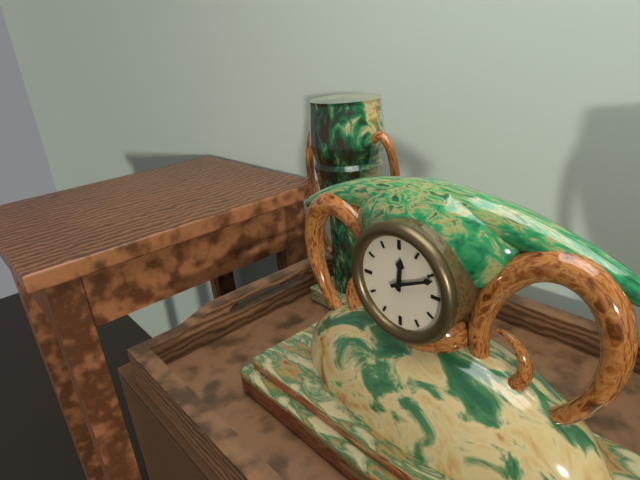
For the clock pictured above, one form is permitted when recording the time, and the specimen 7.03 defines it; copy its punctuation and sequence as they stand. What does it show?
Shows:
12.11
